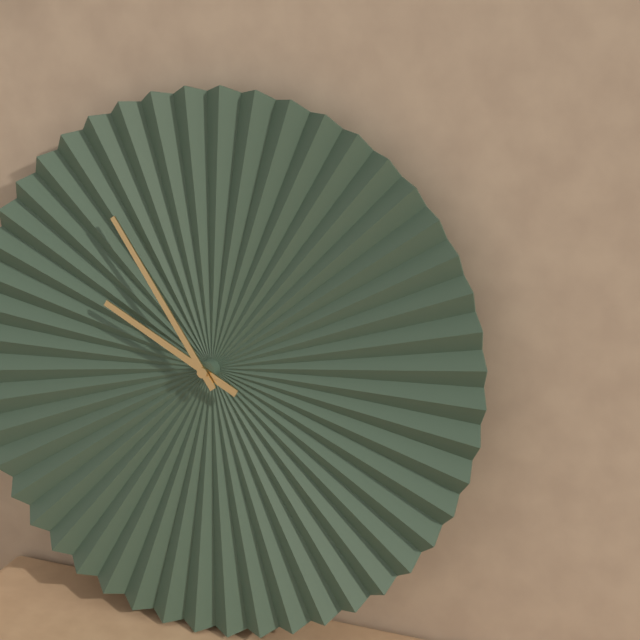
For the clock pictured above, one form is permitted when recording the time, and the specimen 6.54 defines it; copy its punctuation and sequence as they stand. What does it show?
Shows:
9.54
